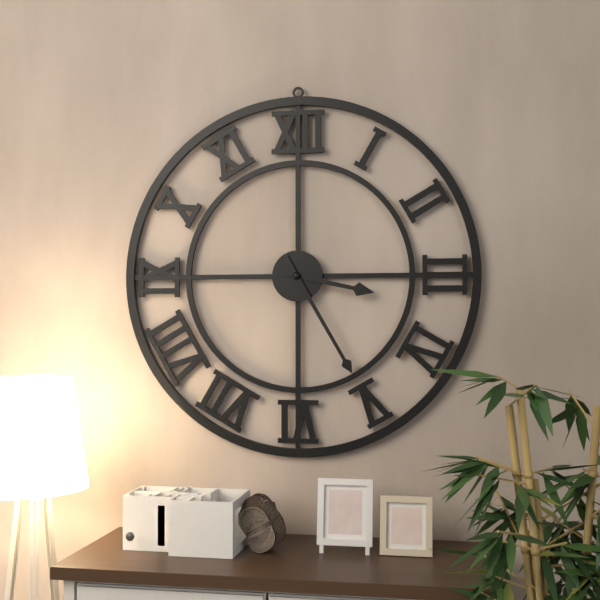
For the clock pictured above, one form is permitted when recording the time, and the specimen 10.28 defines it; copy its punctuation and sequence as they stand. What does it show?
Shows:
3.25
